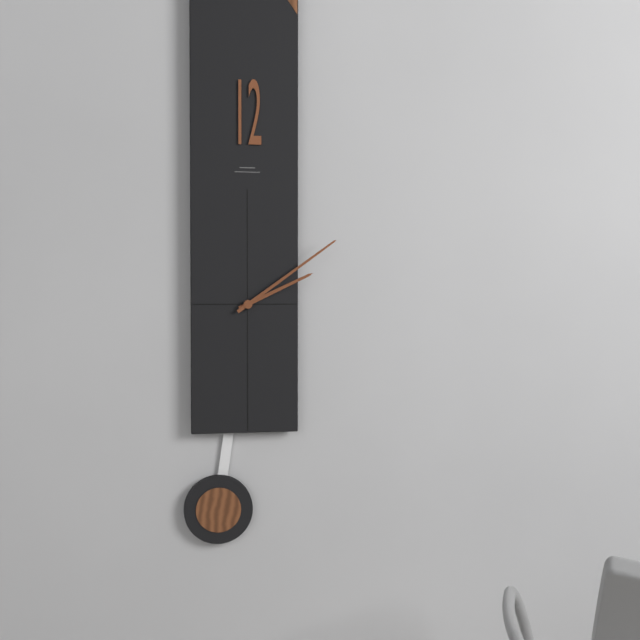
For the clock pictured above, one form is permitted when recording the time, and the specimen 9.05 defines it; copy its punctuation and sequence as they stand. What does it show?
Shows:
2.09
